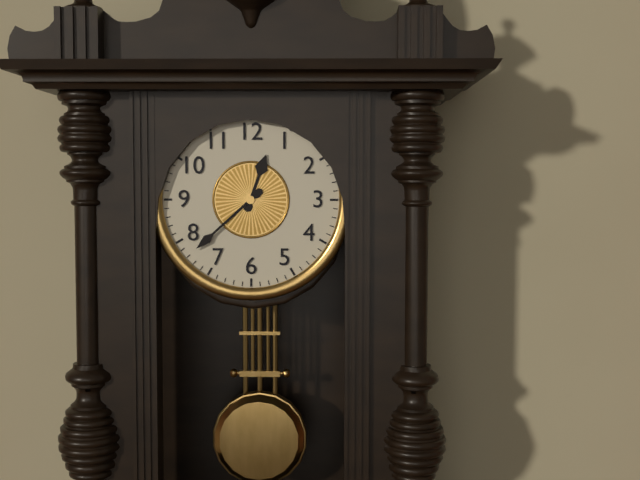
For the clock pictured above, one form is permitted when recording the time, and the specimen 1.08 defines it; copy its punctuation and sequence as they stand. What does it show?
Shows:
12.38
